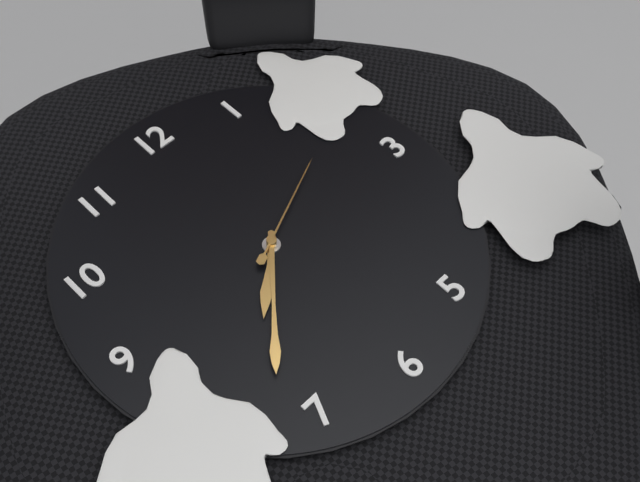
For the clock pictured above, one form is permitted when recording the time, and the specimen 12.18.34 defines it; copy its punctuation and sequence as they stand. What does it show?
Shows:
7.37.11
